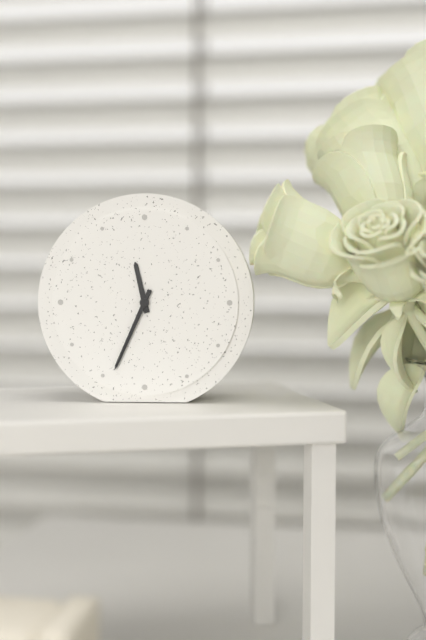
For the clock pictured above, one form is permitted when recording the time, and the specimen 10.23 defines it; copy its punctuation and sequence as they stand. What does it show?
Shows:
11.34
